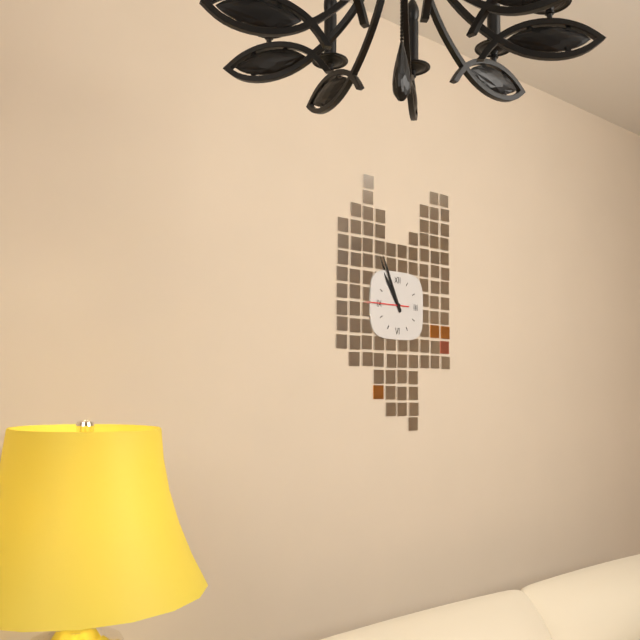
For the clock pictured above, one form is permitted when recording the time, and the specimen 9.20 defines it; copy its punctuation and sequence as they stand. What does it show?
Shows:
10.56
